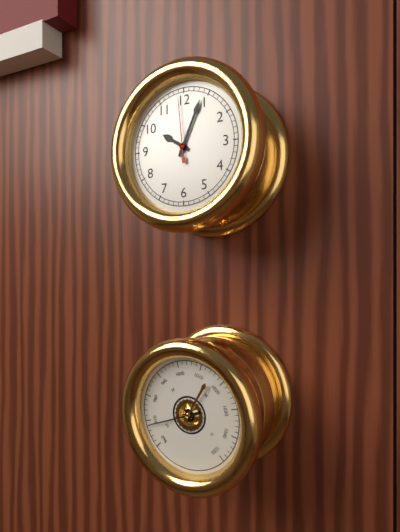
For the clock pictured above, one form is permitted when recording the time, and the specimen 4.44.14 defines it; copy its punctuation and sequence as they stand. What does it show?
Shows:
10.04.59
